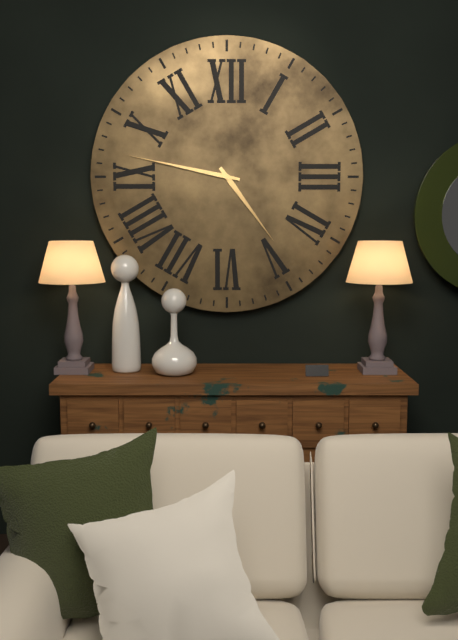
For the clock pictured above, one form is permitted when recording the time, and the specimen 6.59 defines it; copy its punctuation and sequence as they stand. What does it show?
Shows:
4.47
